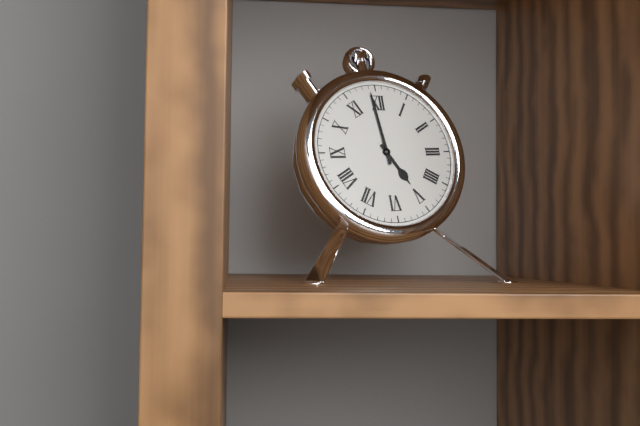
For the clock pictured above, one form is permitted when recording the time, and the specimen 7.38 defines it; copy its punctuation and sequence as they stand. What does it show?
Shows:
4.59
